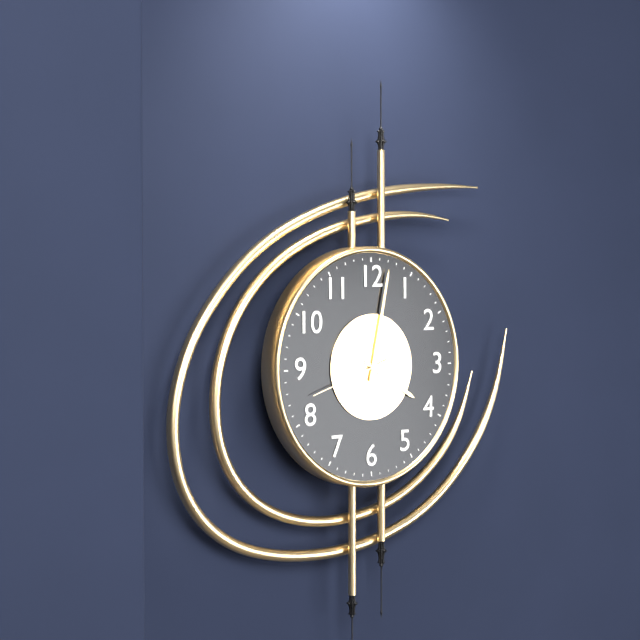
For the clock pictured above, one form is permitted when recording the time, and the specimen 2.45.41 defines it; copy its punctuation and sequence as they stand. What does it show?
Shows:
4.02.42
